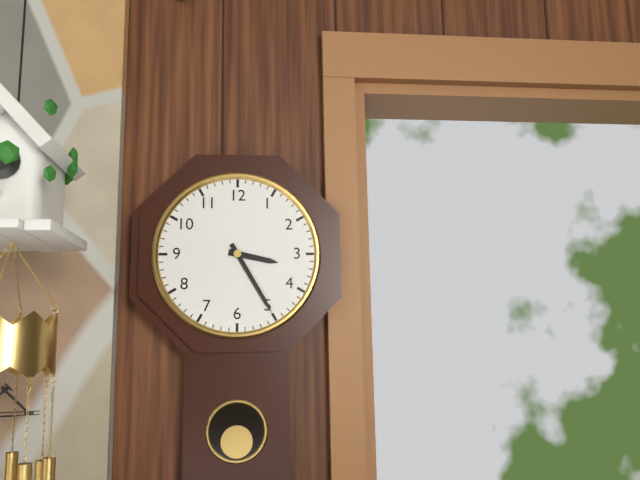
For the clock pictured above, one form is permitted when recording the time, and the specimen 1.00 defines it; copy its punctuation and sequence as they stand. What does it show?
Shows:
3.25
